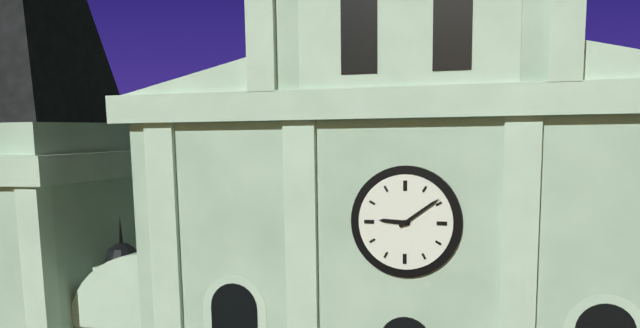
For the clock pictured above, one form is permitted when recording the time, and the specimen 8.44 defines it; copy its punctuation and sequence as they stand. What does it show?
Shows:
9.09
